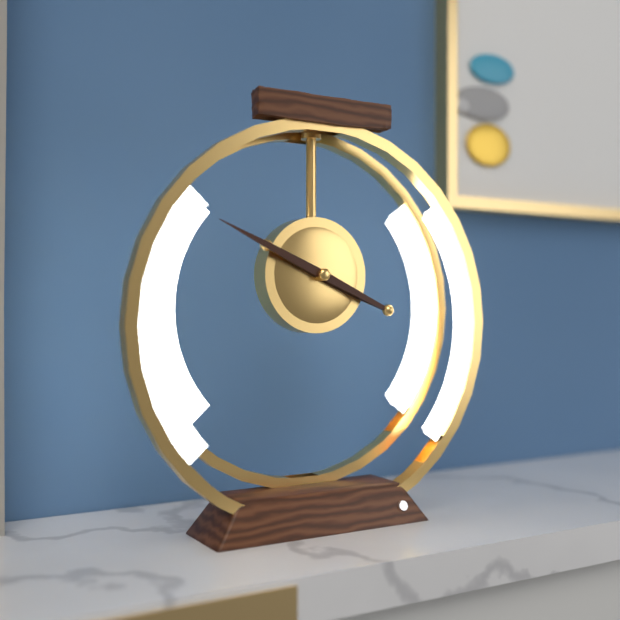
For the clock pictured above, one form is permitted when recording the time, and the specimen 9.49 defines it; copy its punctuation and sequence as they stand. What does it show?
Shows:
3.49
